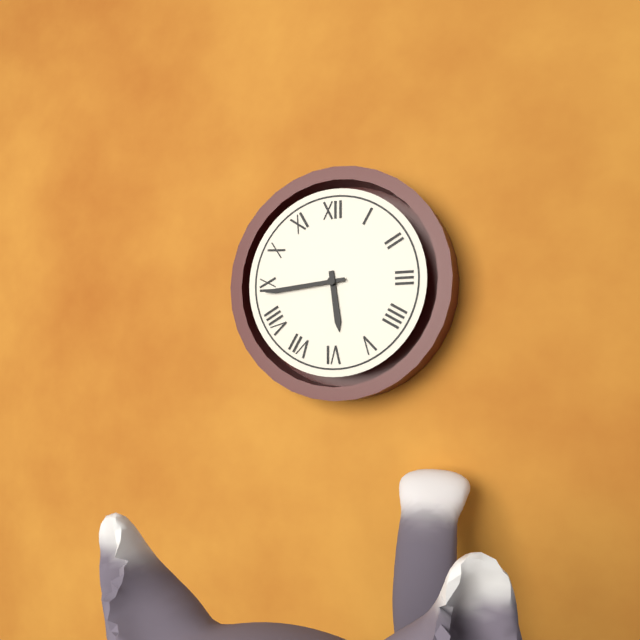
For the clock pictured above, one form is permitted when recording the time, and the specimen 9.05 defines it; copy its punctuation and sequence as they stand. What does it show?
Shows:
5.44
